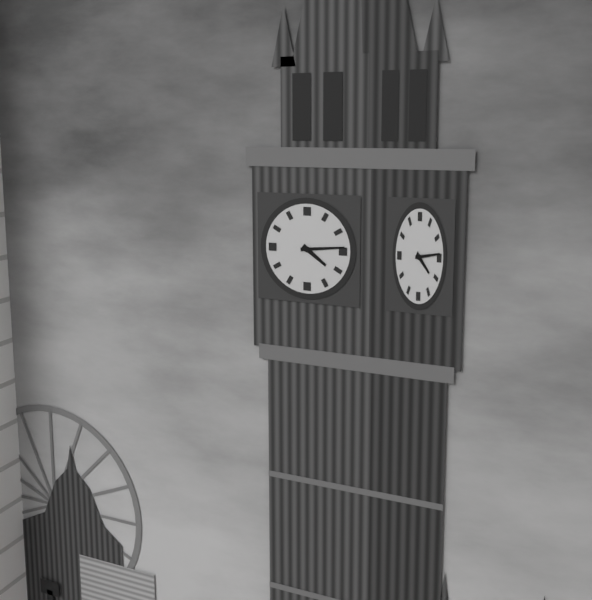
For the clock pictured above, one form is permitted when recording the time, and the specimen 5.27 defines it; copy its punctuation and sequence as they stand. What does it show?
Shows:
4.14
